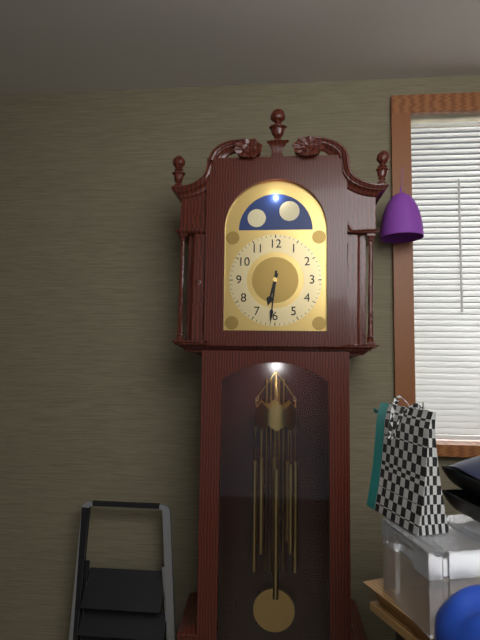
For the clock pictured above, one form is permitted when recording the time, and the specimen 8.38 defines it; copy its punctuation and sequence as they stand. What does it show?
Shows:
6.31
